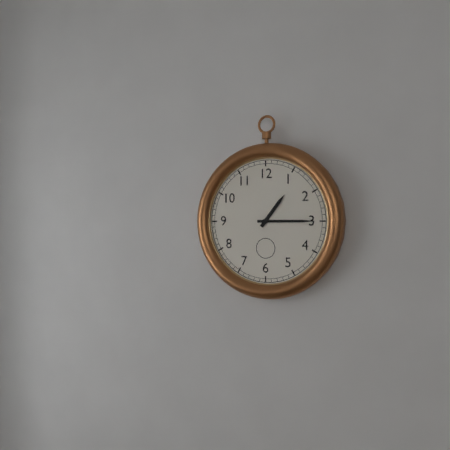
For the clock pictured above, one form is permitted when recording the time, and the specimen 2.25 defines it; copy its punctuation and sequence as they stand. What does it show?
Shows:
1.15
